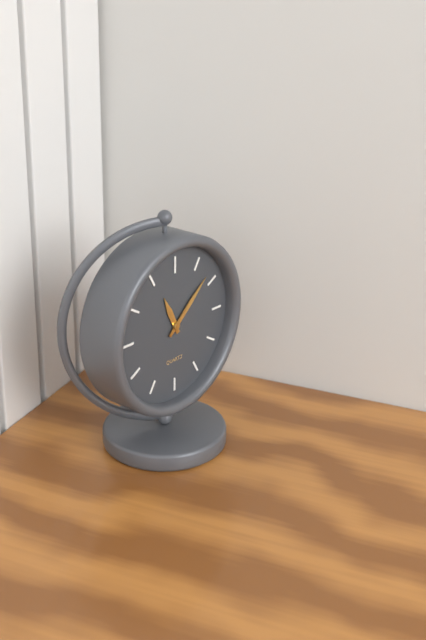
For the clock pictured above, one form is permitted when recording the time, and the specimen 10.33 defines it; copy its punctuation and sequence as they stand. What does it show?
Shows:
11.08
